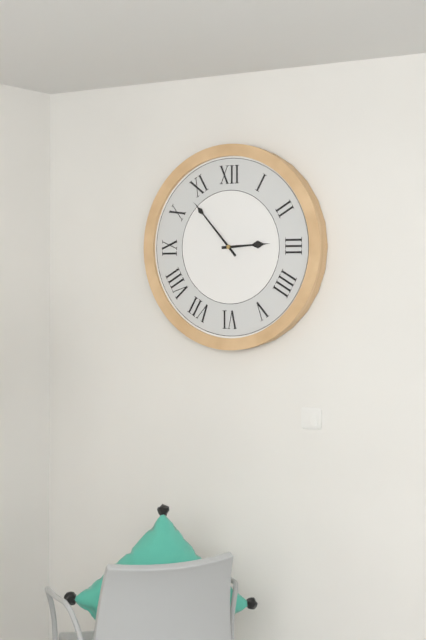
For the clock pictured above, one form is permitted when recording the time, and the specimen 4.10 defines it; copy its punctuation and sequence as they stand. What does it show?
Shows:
2.53
